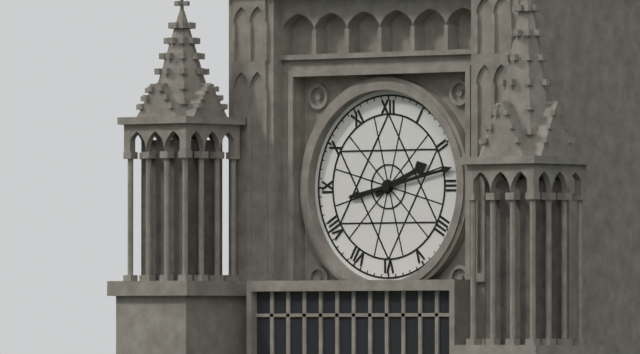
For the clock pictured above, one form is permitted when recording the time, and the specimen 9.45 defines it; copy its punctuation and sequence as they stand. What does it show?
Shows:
2.13
